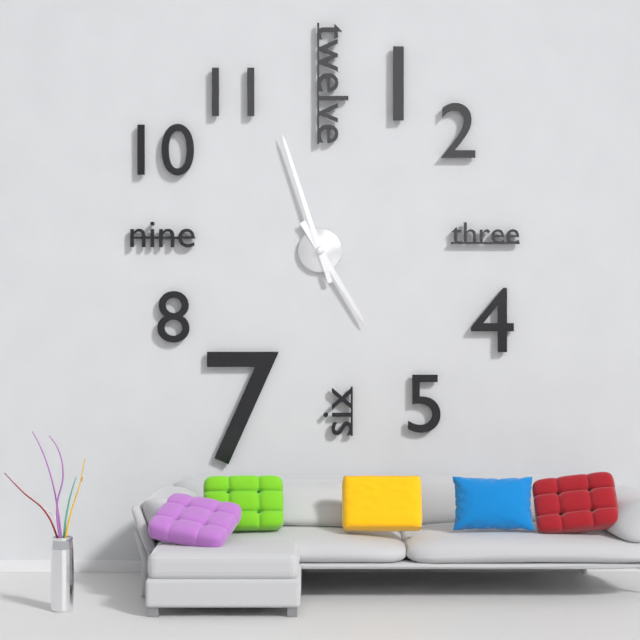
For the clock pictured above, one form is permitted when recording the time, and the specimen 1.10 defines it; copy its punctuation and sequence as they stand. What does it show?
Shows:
4.57
